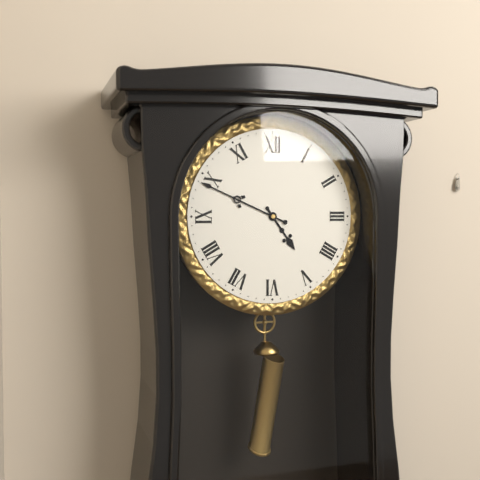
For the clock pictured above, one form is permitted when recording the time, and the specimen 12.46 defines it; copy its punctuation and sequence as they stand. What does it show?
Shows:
4.49
